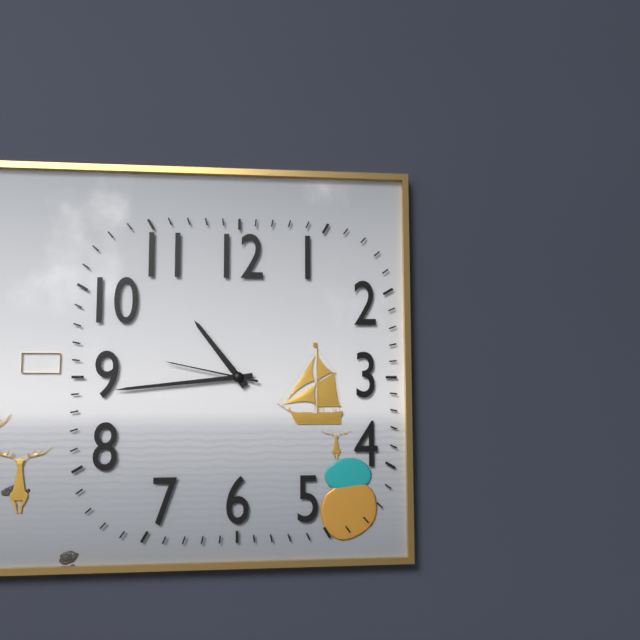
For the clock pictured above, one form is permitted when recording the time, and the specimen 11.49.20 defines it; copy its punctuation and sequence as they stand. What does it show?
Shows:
10.44.47
